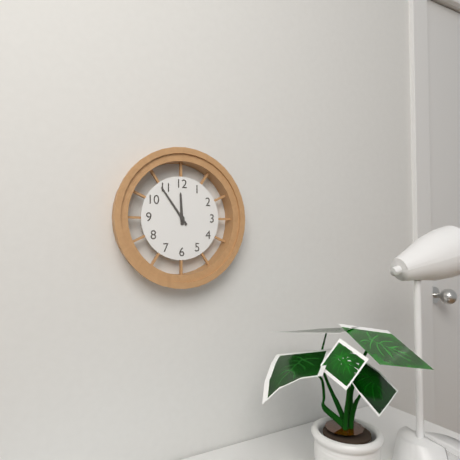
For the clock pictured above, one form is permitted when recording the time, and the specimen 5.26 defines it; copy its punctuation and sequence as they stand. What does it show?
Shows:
11.54
